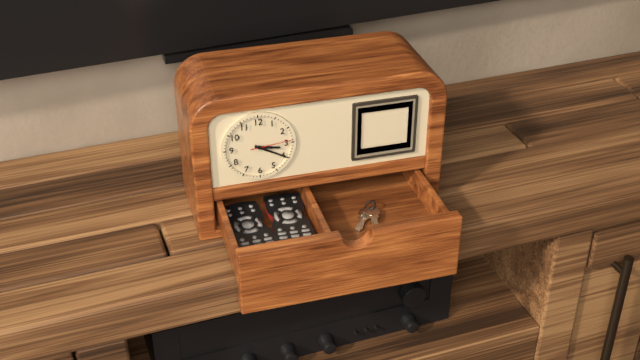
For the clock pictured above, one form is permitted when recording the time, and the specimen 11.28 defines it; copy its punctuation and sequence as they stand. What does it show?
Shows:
3.20
